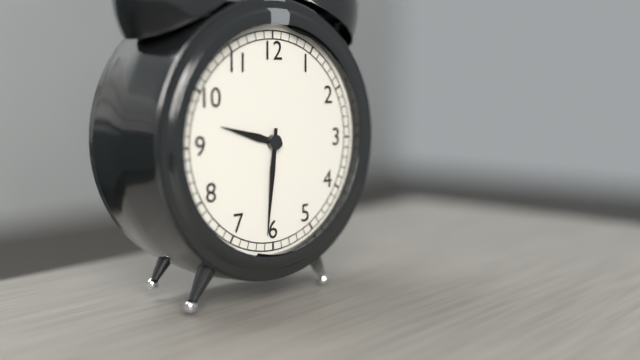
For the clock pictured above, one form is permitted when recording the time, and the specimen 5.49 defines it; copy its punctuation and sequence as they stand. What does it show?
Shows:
9.31
